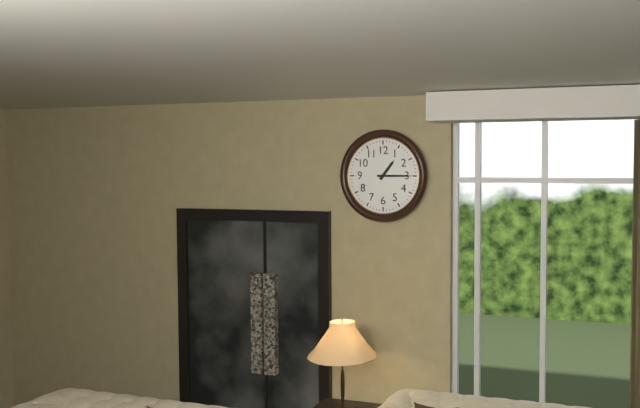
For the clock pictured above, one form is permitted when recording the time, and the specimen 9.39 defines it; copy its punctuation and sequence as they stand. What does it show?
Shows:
1.15
